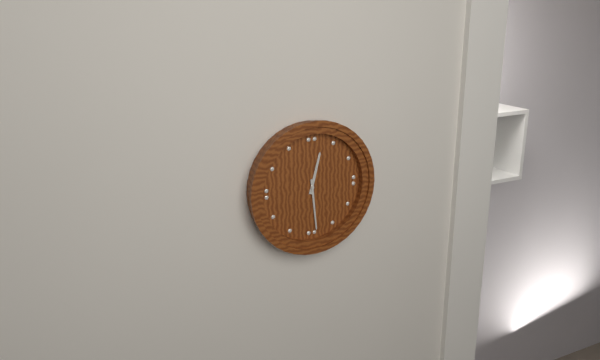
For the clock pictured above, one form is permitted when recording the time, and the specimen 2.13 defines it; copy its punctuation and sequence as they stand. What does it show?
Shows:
12.29
